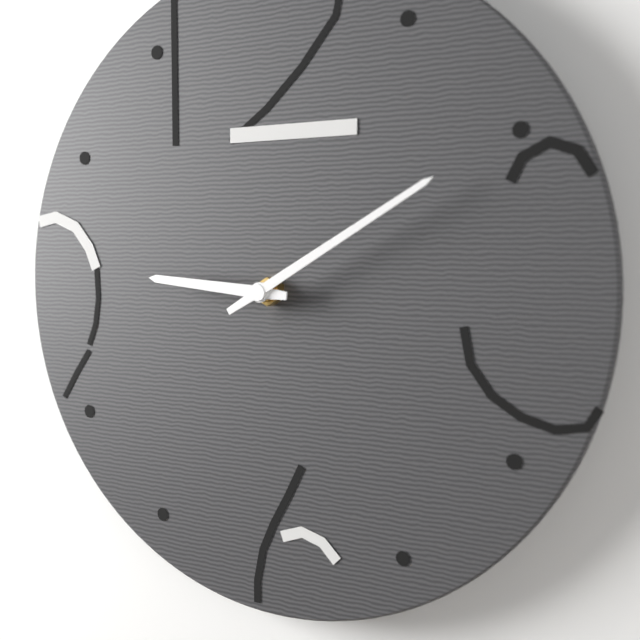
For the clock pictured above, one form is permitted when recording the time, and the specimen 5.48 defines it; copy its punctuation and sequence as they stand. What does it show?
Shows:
9.10
